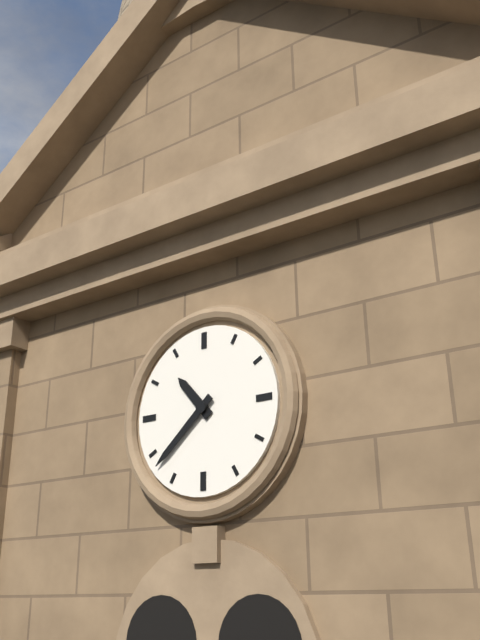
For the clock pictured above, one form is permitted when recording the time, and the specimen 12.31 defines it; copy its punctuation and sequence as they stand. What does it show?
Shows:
10.38
